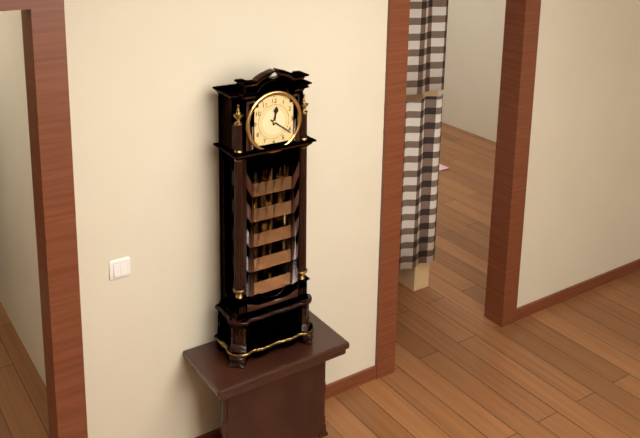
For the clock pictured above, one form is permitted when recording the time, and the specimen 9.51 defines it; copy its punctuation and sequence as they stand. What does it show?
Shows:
12.21
